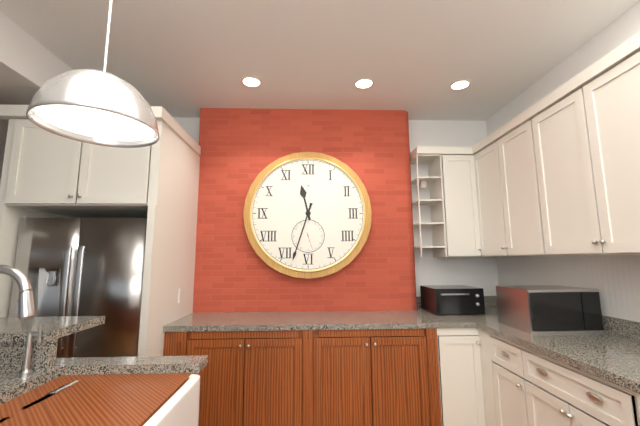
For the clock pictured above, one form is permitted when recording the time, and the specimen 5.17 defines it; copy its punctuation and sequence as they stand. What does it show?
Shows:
11.33
